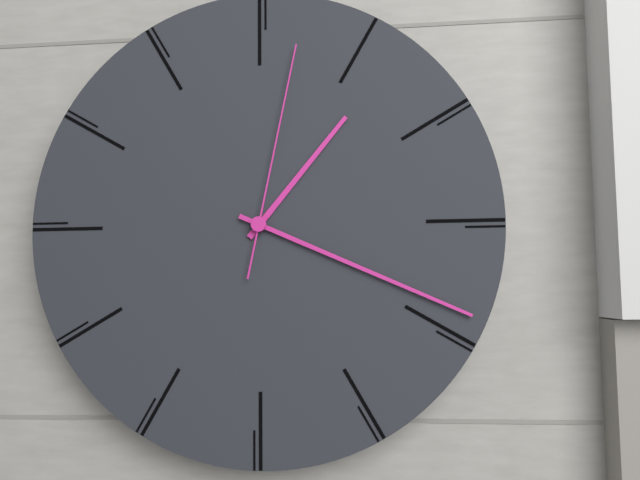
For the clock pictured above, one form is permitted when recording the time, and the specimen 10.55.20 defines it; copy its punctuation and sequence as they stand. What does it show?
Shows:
1.19.02
